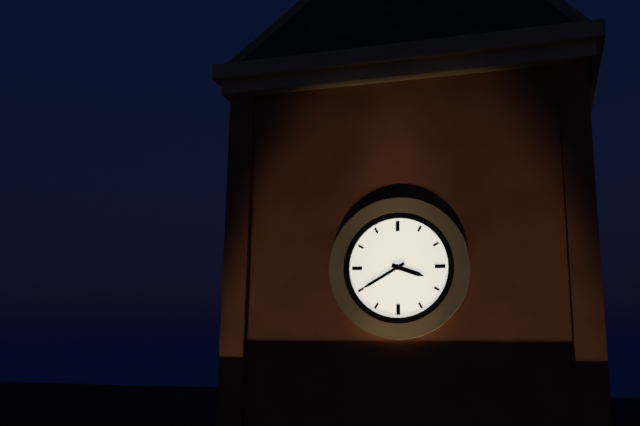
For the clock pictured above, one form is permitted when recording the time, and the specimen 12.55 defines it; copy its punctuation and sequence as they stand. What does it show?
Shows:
3.40
